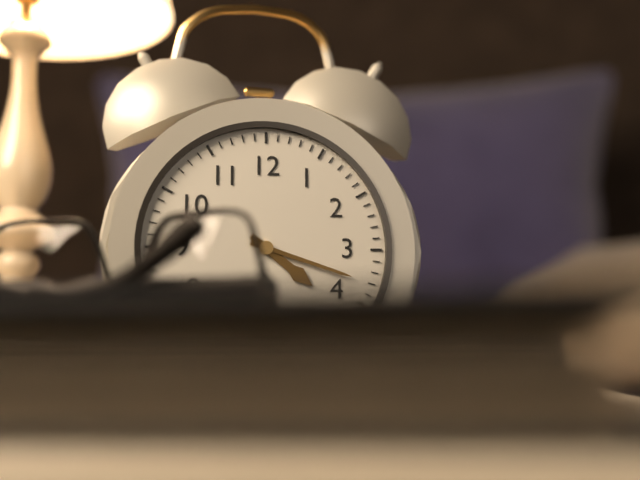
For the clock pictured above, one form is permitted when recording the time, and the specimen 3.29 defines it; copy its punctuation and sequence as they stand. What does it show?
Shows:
4.18
